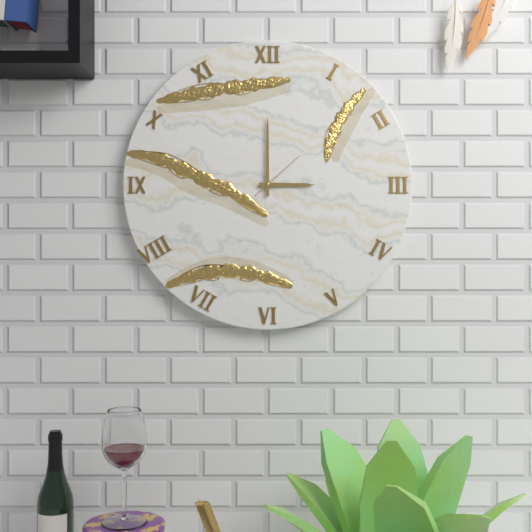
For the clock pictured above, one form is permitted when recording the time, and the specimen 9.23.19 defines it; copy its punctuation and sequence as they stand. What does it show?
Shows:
3.00.08
